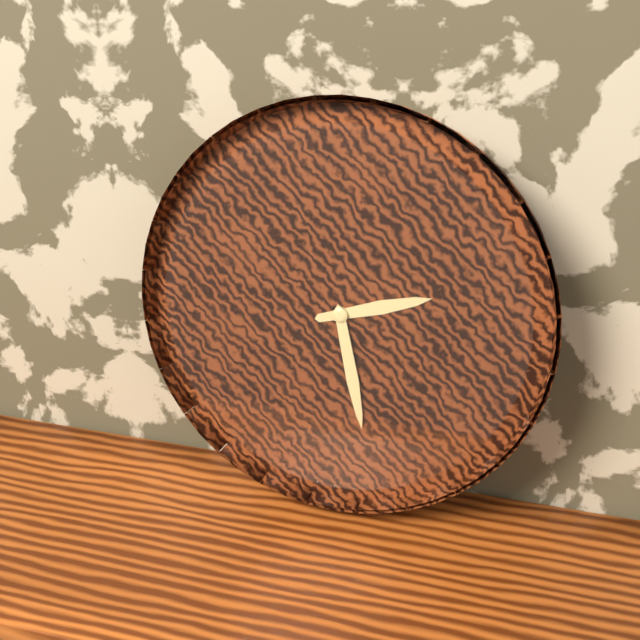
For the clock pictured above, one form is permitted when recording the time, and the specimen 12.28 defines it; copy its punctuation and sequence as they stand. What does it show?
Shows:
2.28
